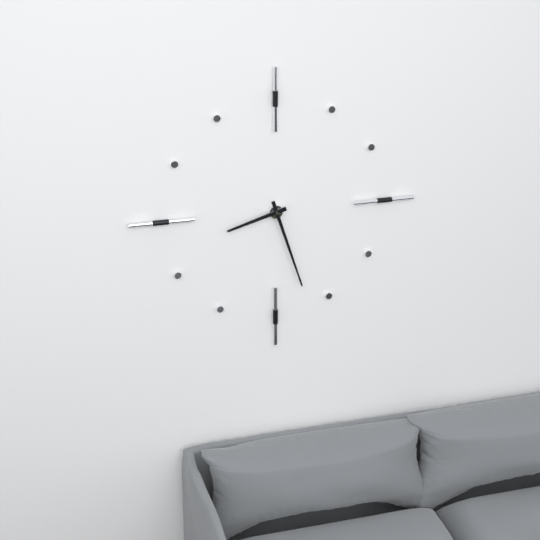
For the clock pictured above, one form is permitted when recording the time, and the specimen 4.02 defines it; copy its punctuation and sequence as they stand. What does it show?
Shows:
8.27
